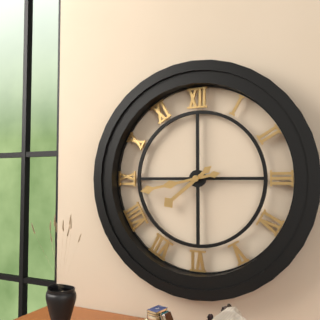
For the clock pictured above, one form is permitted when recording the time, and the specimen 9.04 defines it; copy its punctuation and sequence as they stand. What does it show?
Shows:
7.43
